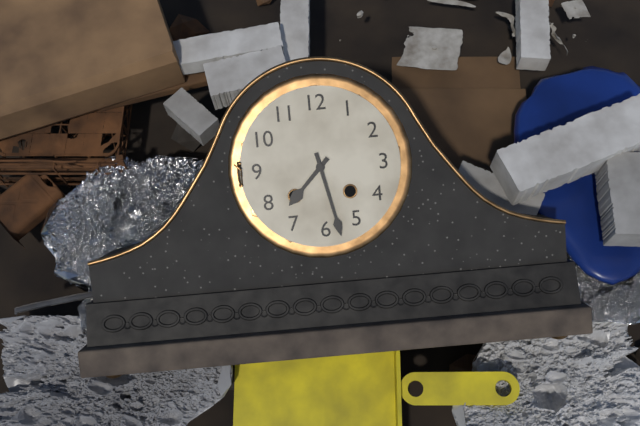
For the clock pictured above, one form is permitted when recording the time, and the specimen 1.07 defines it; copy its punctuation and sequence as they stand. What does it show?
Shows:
7.28
